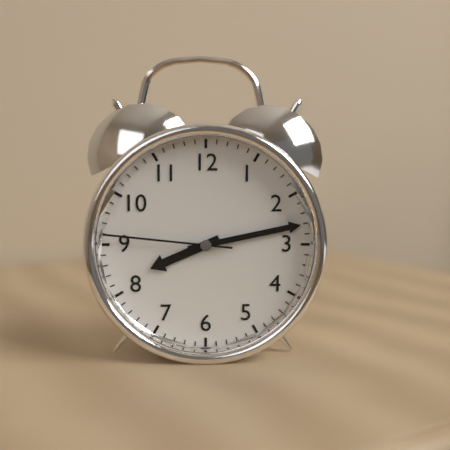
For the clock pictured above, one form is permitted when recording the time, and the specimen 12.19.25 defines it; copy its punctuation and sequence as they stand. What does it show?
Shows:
8.13.46
